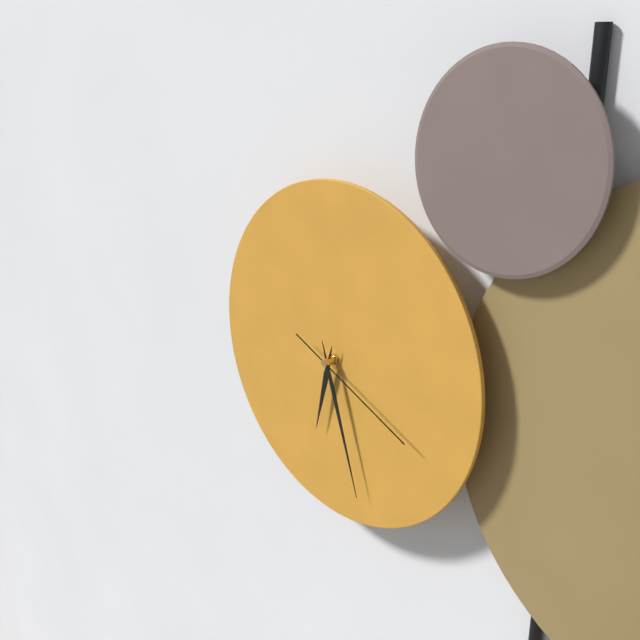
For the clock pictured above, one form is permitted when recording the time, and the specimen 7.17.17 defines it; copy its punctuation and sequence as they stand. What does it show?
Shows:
6.27.19
